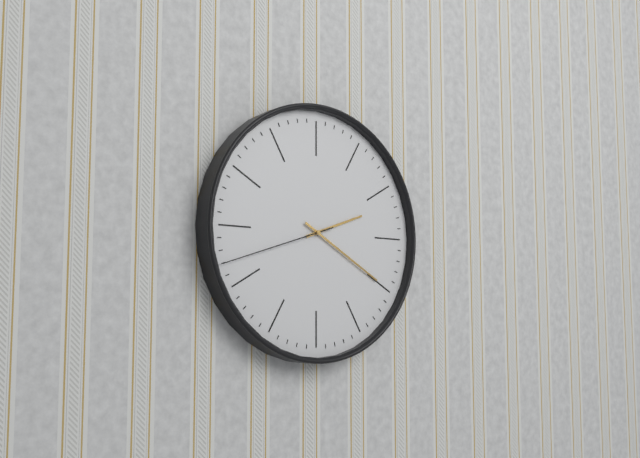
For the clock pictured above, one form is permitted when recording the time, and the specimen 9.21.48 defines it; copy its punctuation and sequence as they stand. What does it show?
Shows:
2.20.42
